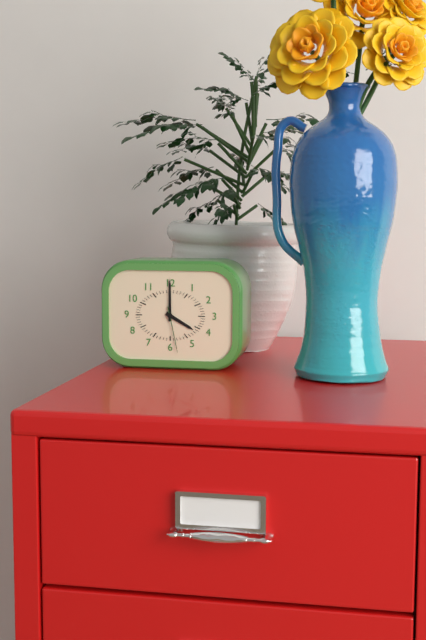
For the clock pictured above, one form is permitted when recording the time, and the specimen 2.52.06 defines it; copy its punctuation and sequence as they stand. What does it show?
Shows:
4.00.28
